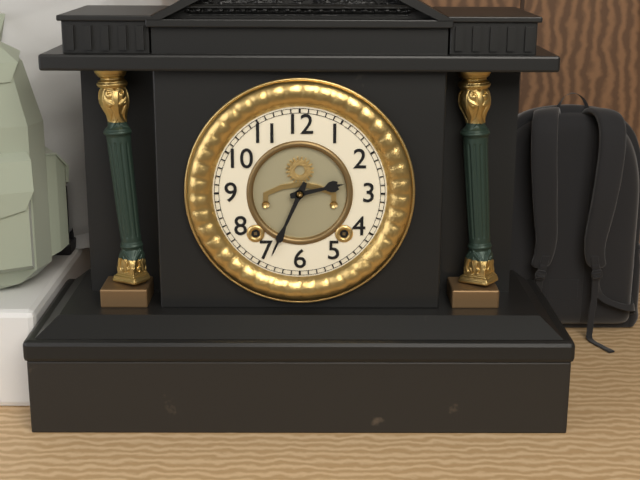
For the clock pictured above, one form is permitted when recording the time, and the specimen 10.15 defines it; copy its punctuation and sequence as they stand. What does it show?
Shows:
2.34
